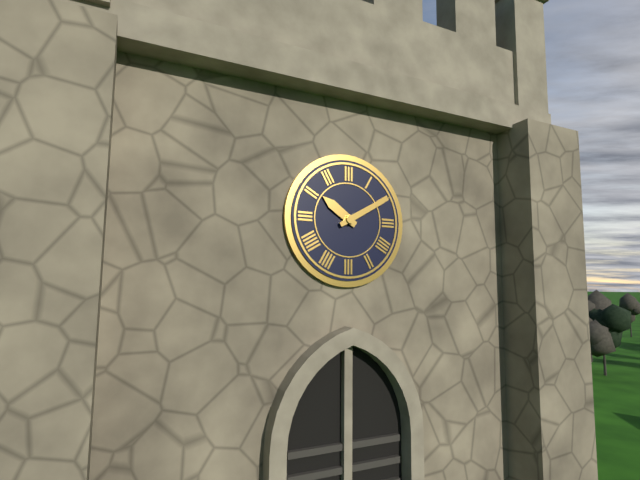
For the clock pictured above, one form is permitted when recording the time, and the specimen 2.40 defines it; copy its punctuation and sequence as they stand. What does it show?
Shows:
10.10
